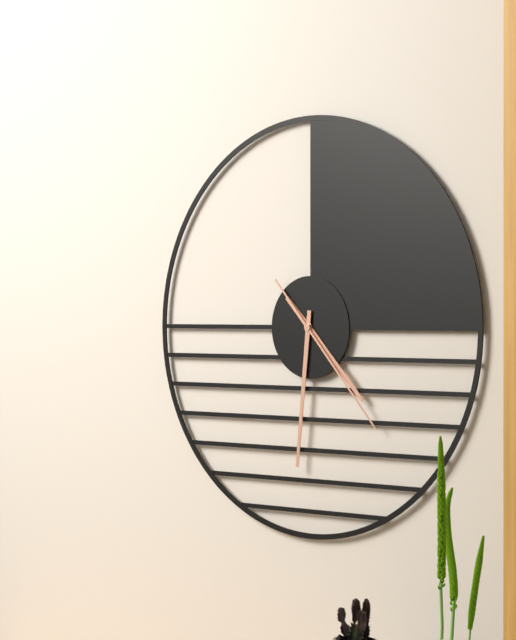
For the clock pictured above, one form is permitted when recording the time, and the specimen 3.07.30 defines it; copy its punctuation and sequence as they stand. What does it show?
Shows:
4.31.23
